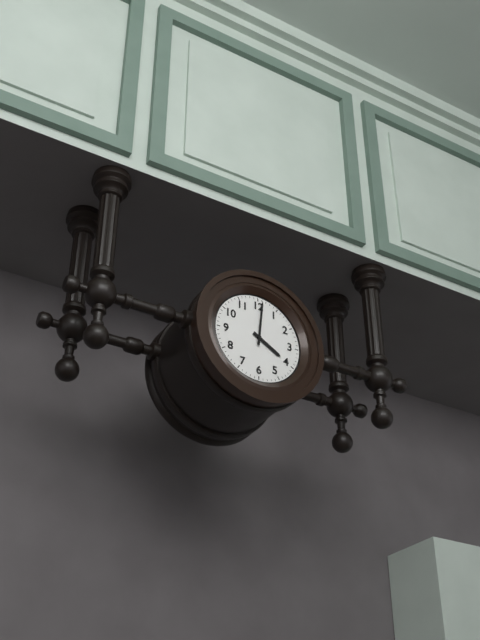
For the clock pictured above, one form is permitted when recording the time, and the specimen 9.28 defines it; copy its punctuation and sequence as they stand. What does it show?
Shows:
4.01
